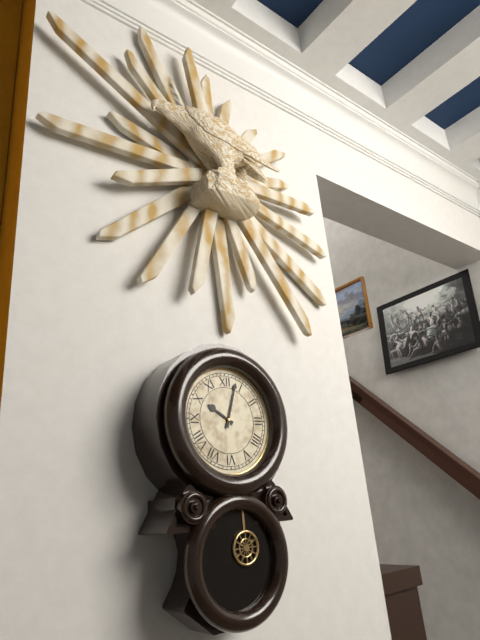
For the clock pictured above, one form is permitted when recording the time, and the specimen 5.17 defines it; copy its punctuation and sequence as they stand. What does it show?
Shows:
10.03
